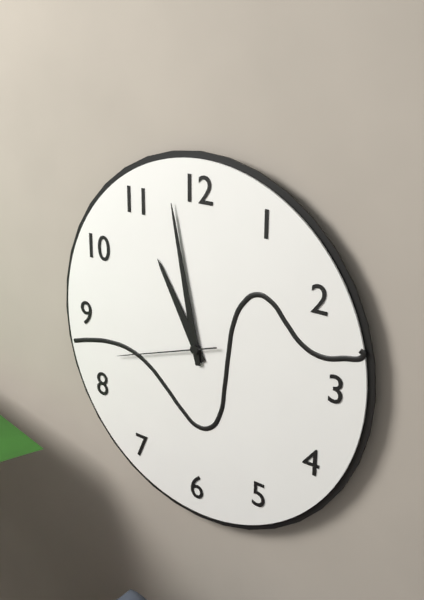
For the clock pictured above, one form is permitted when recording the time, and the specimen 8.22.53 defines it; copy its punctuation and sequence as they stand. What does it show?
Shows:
10.58.42
